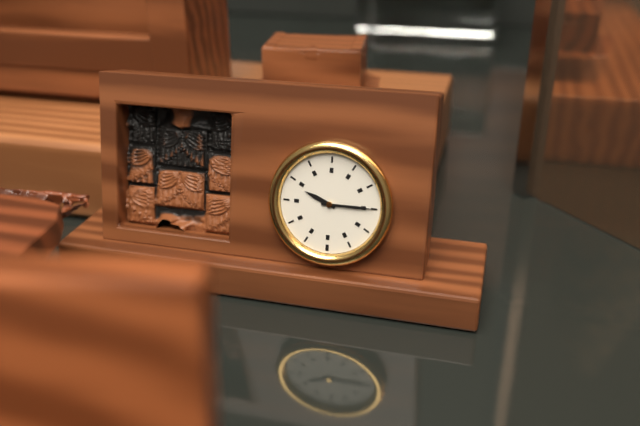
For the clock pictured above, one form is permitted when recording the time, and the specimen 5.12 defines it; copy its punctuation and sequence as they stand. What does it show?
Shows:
3.45
